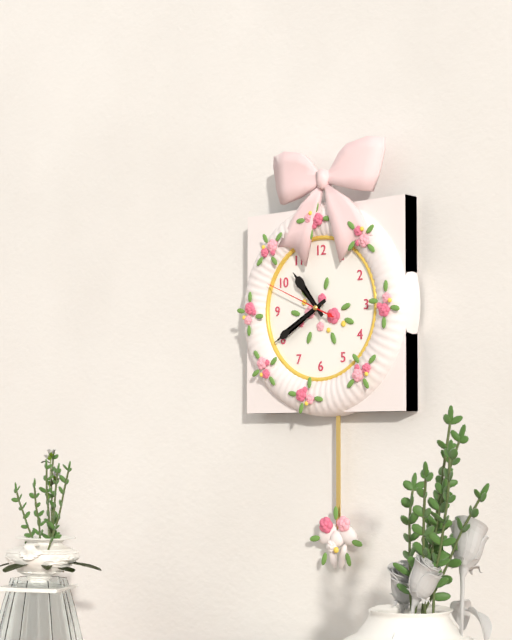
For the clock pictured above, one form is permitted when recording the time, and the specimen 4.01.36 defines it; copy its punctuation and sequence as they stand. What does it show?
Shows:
10.40.49
